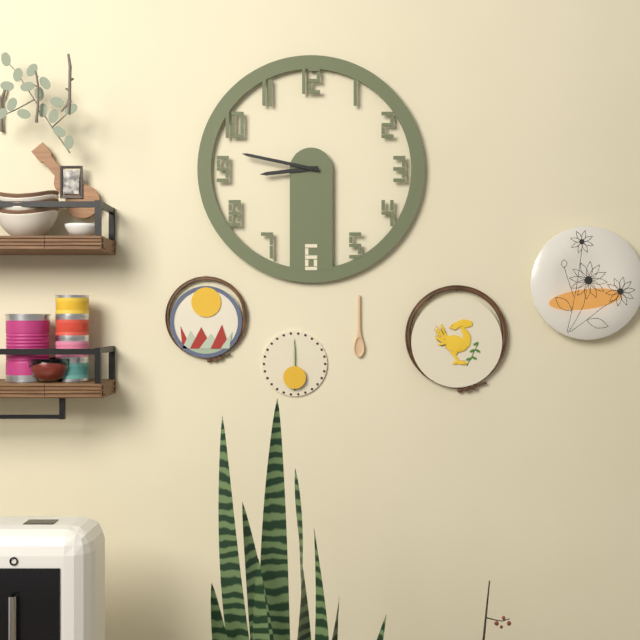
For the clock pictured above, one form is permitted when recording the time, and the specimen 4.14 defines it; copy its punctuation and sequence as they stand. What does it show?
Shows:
8.47
